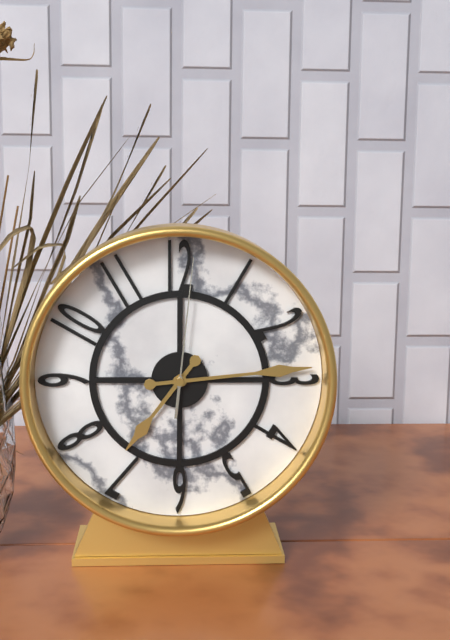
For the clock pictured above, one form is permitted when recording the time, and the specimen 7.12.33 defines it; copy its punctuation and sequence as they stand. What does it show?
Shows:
7.14.01
